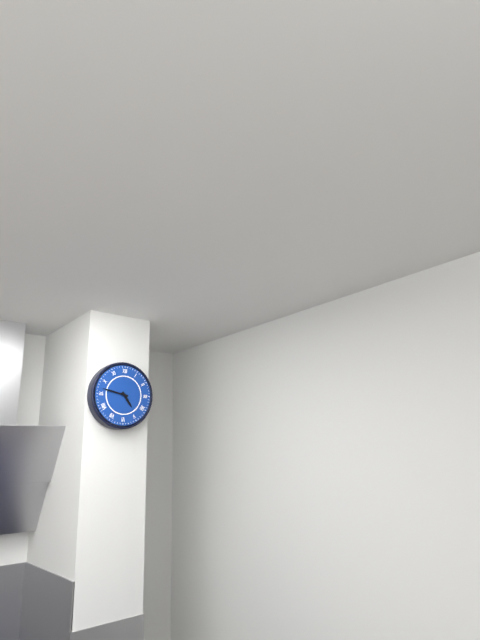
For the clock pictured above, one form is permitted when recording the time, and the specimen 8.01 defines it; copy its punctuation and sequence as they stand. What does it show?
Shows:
4.47
